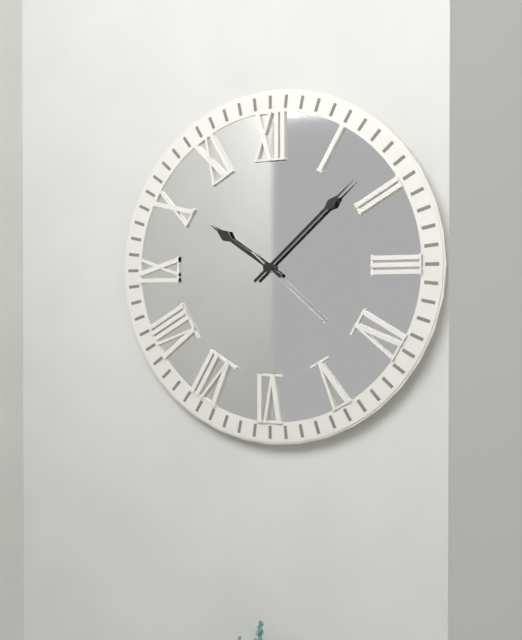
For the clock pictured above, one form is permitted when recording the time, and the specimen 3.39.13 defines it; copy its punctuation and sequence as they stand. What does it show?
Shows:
10.08.22
